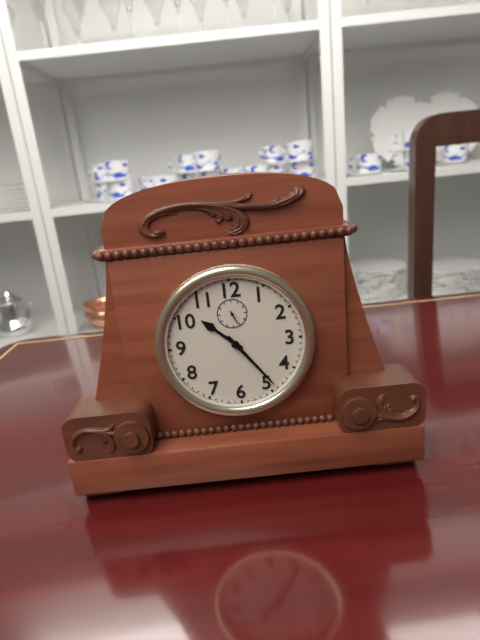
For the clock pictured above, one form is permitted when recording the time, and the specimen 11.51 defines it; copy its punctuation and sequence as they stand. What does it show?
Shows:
10.24
